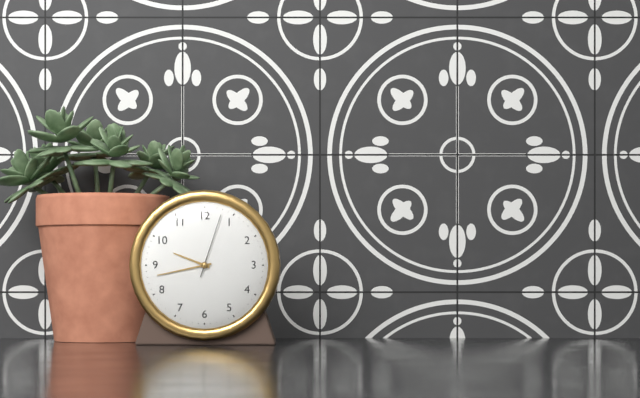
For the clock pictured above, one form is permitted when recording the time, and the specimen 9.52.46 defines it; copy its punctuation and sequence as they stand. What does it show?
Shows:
9.43.03
